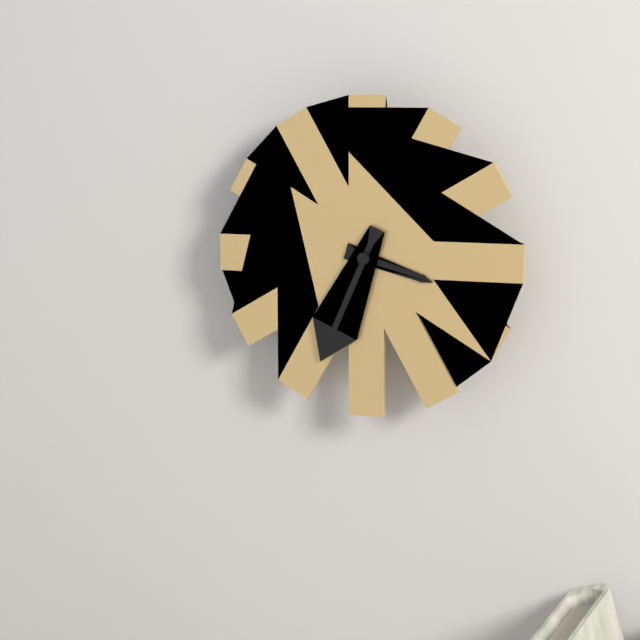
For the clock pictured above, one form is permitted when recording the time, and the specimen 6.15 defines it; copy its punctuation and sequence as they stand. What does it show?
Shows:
3.34
